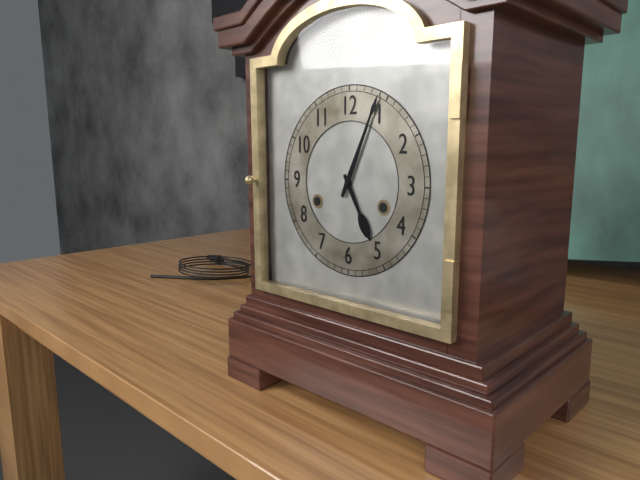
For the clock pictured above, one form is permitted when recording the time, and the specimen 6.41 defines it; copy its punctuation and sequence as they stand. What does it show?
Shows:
5.04
